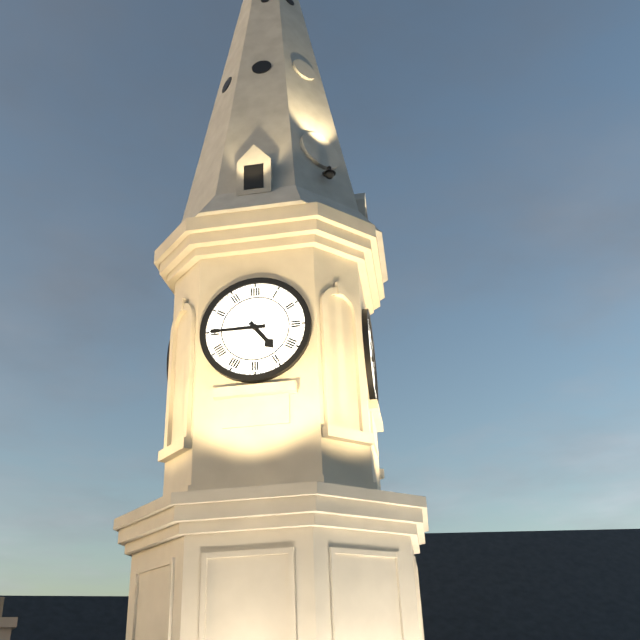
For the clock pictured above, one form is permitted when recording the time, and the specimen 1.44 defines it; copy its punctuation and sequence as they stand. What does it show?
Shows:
4.45
